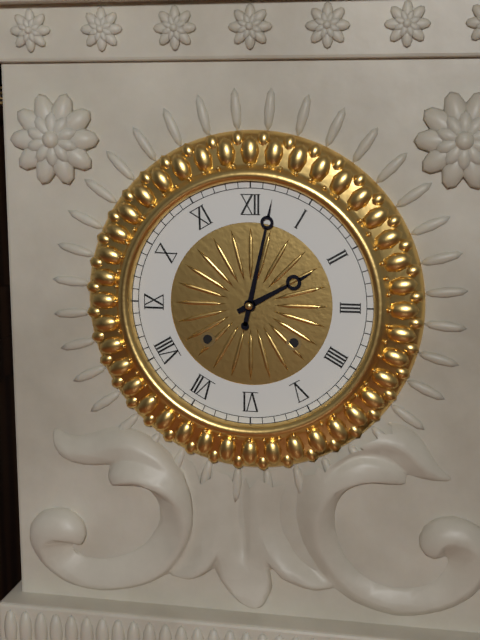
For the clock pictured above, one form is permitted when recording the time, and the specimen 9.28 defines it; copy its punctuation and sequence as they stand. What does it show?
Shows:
2.02
